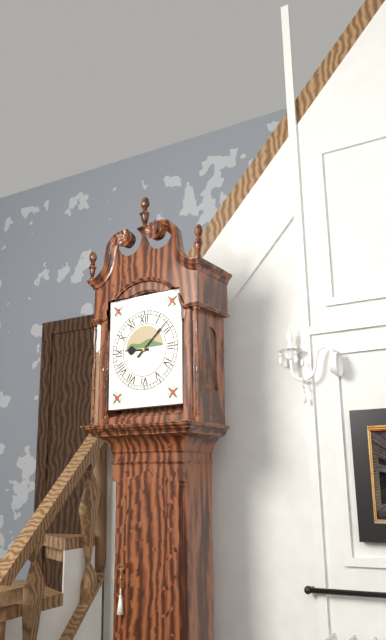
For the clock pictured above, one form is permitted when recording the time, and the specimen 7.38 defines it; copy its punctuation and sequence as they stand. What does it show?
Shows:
9.08
